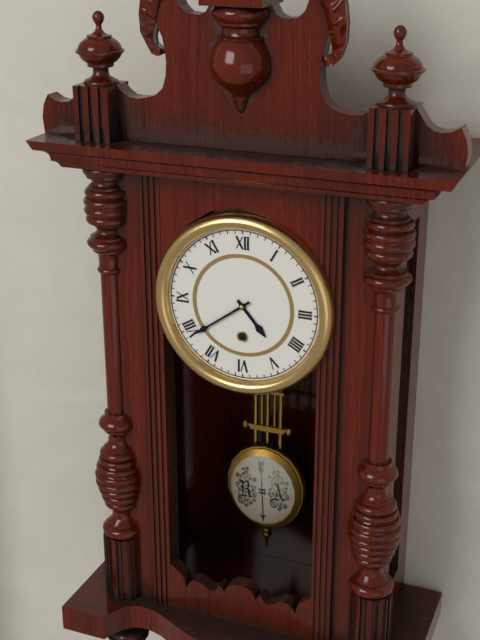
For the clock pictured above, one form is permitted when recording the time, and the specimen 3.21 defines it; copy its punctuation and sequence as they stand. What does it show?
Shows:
4.39
